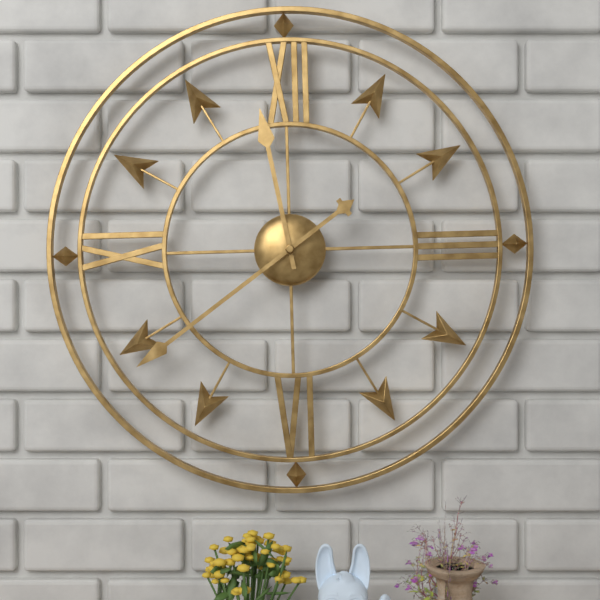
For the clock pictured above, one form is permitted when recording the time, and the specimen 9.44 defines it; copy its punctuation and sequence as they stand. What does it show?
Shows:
11.39
